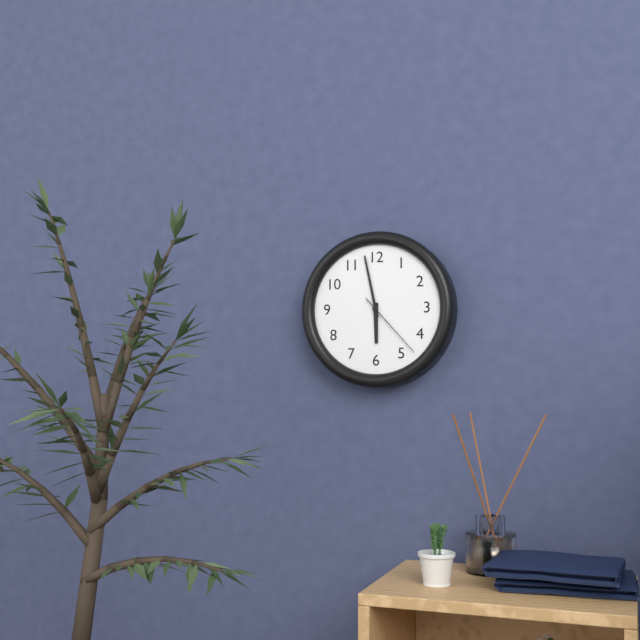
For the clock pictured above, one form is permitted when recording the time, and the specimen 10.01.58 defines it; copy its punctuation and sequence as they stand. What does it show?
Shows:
5.58.23
